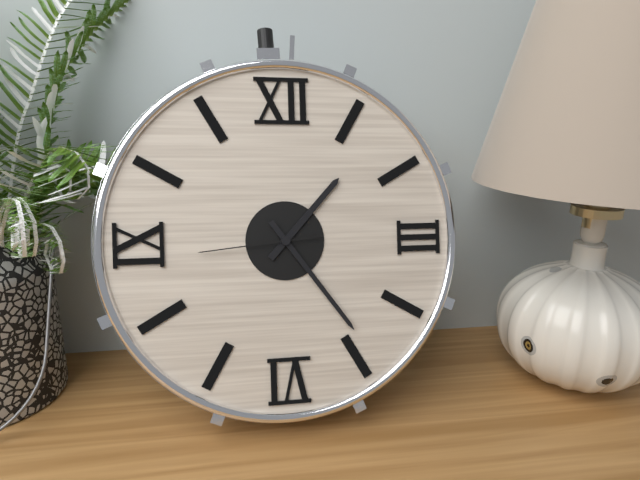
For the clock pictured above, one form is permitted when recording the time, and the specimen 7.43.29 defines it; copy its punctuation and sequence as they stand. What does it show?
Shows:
1.24.44
